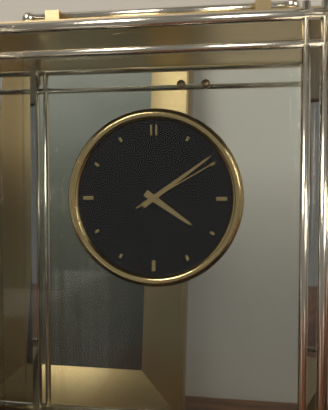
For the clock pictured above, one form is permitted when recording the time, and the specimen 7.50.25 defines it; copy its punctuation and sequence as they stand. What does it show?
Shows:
4.09.10
